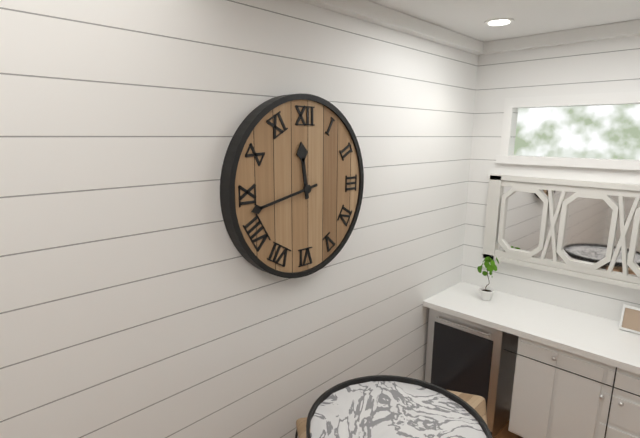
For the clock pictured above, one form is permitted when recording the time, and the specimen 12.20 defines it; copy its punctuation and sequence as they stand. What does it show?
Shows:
11.43
